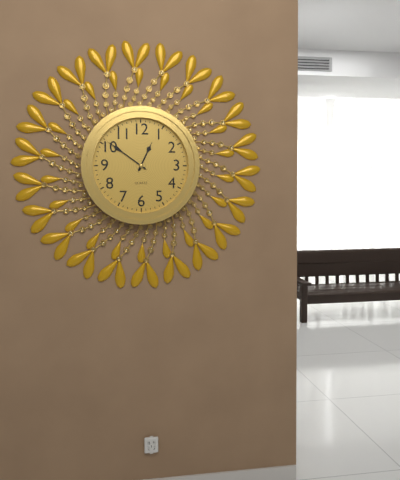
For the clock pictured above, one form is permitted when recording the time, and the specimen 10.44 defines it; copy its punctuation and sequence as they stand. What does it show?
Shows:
12.51
